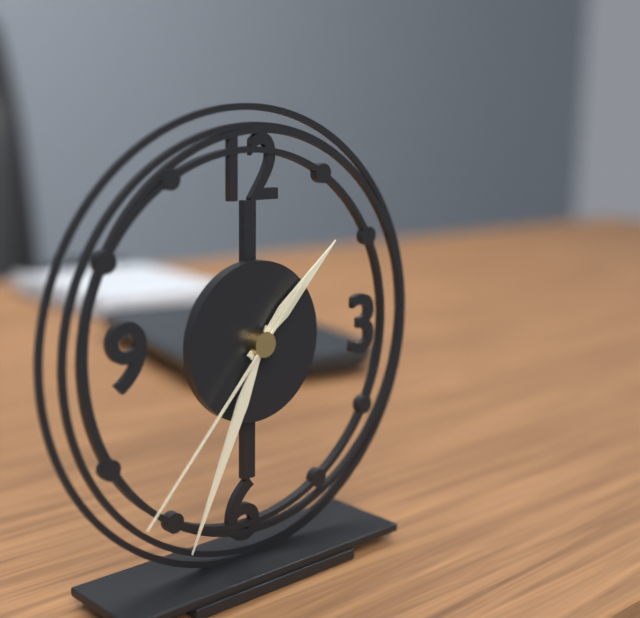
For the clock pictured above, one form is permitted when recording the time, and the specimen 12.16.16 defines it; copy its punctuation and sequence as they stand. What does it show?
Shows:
1.34.37
